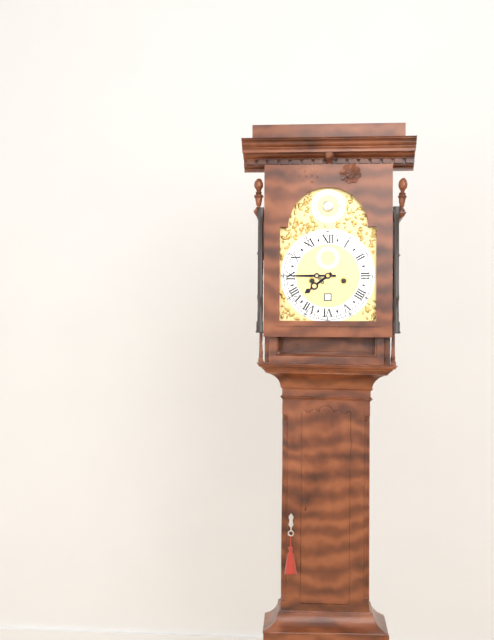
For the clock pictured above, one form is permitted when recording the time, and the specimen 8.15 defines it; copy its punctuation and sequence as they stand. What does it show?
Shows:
7.45
